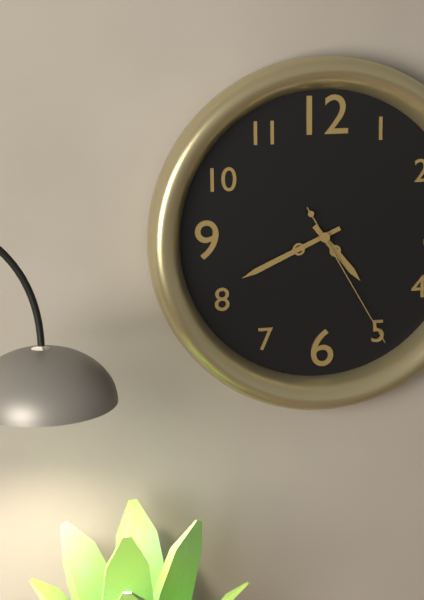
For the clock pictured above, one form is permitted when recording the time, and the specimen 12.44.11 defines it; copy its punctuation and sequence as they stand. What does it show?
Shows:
4.41.25
